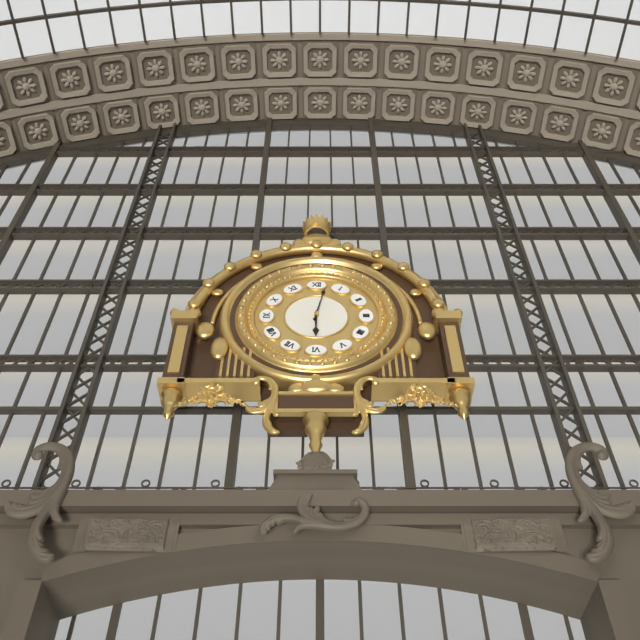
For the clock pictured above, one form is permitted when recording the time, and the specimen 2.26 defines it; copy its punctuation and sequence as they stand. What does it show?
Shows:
6.02
